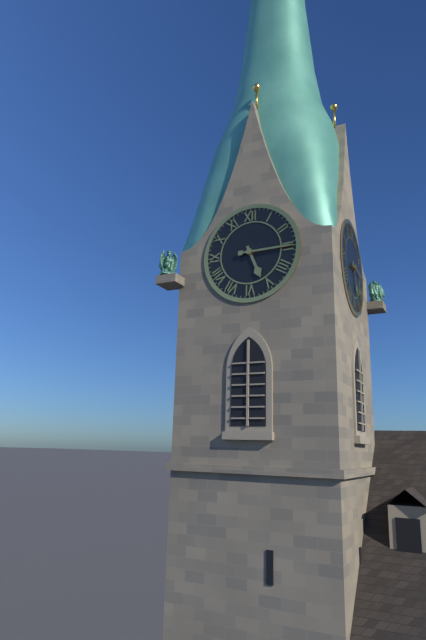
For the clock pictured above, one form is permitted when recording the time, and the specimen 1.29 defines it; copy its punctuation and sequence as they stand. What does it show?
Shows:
5.15
